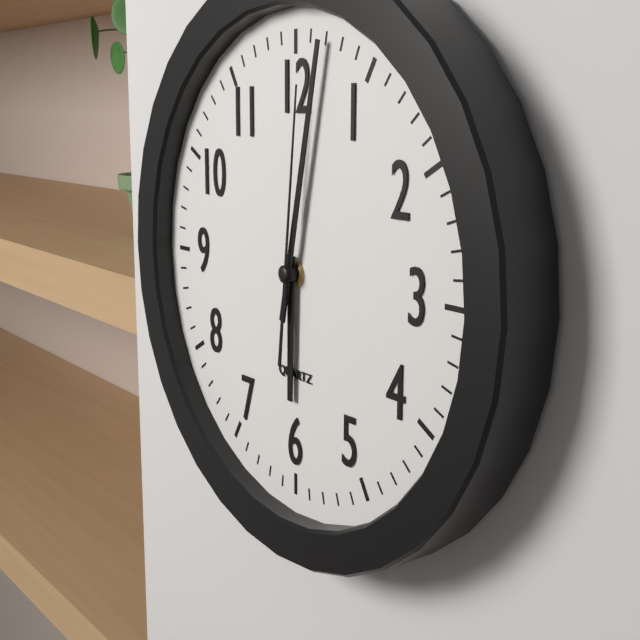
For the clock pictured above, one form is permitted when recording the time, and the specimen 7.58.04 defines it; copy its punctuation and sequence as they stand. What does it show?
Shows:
6.02.01
